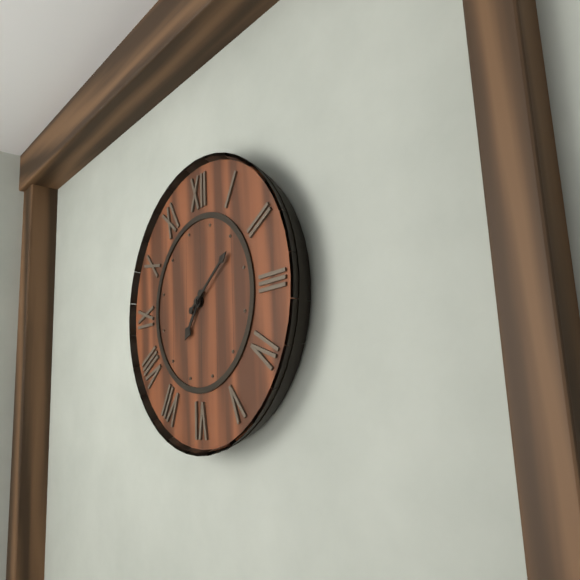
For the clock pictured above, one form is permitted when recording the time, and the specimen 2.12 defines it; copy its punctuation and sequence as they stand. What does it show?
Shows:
7.09
